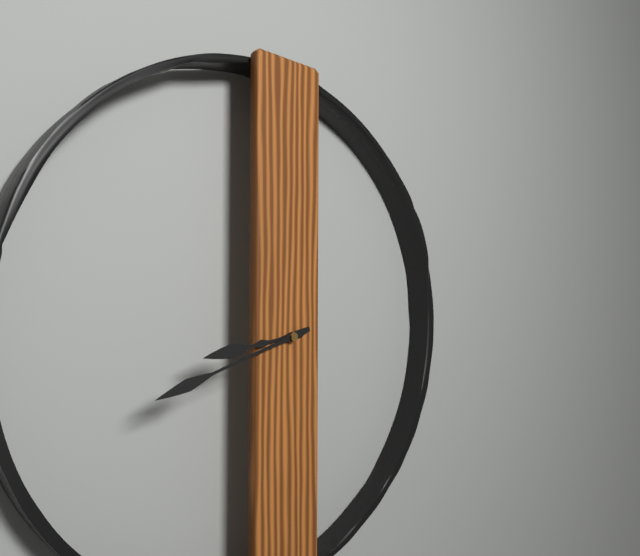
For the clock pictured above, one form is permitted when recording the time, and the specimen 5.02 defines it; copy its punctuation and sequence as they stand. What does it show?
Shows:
8.42
